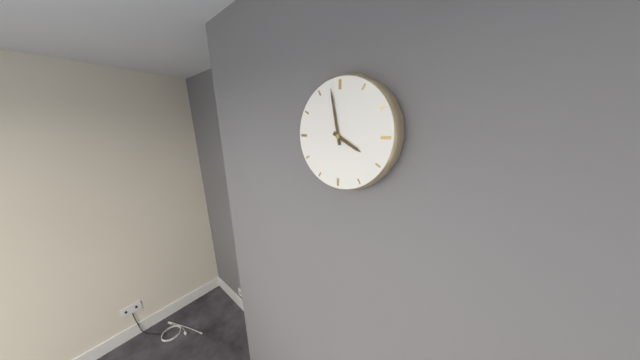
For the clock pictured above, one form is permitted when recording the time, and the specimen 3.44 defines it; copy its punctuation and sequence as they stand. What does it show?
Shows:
3.58
